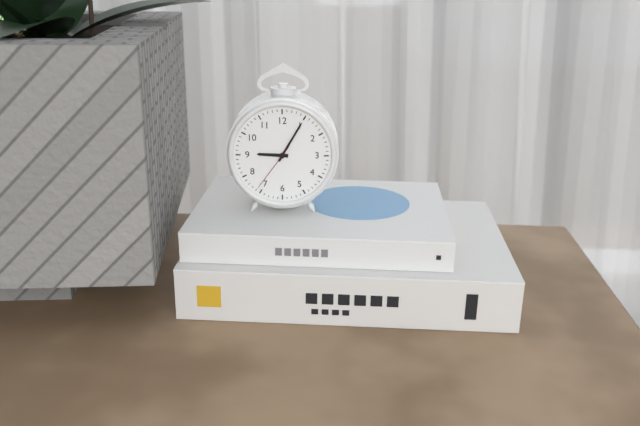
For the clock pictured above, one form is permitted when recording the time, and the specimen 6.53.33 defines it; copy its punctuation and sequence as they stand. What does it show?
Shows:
9.05.36
